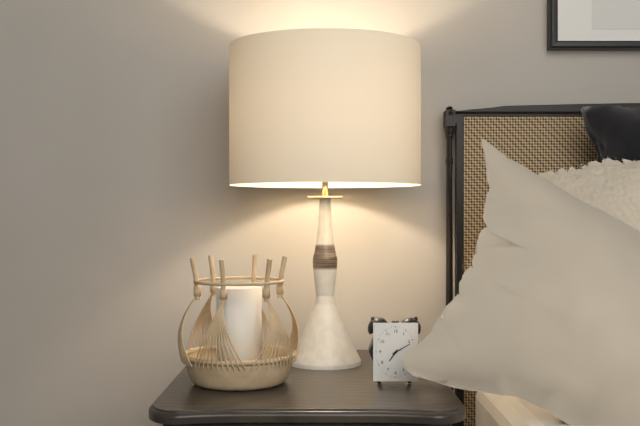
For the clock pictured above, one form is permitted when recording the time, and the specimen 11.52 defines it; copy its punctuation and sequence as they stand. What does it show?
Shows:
7.10
